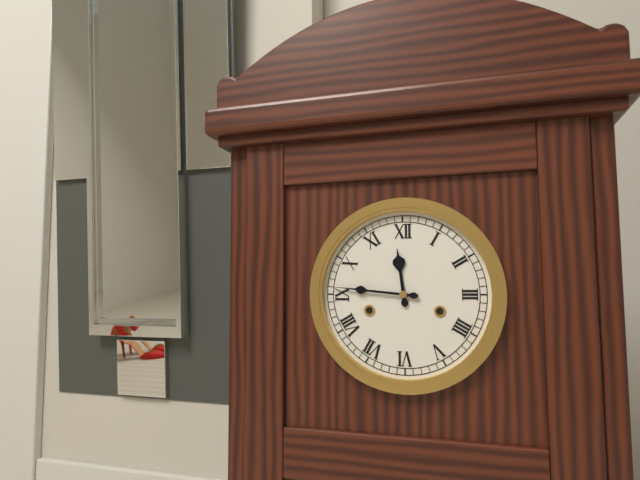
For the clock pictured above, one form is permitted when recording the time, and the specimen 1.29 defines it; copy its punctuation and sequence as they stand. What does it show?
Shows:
11.46
